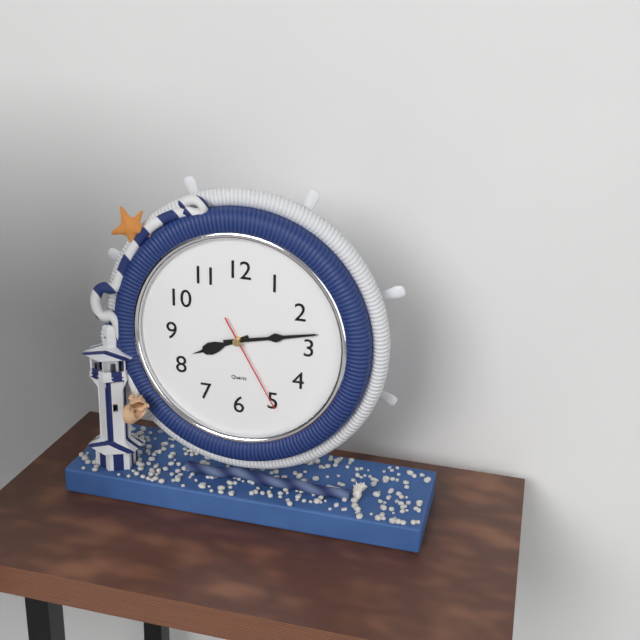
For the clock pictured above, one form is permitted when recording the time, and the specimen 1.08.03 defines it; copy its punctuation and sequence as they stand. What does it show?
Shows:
8.13.25
